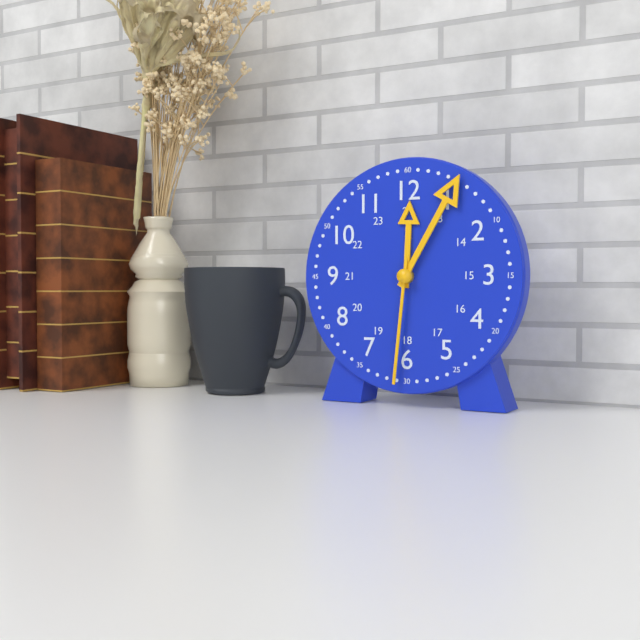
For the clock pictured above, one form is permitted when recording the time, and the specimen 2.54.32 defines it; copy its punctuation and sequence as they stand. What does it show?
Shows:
12.05.31
